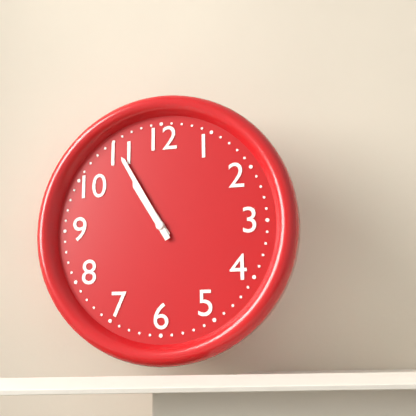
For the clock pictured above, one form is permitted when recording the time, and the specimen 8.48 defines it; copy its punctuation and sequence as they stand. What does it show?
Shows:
10.55
